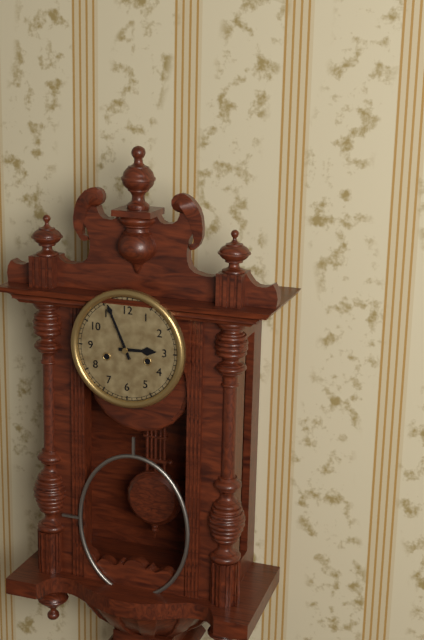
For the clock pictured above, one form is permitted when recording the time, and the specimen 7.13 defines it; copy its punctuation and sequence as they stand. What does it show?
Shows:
2.56
